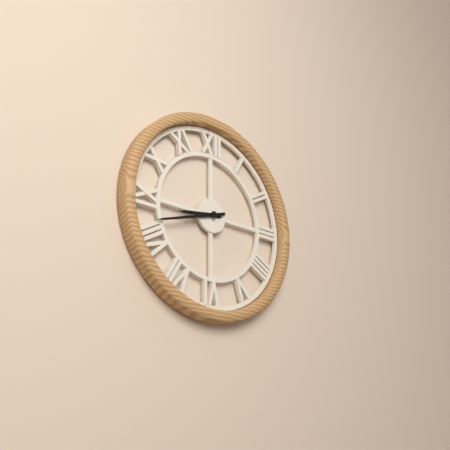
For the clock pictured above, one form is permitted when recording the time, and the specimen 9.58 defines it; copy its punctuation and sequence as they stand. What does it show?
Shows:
8.42
